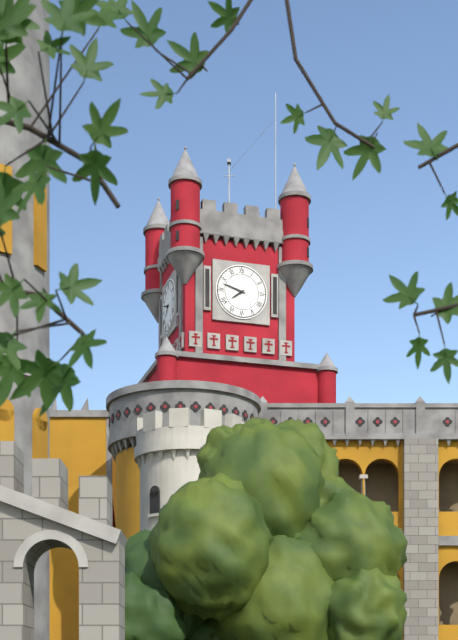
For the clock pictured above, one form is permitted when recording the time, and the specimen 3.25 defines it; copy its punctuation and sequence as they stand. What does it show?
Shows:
7.48
